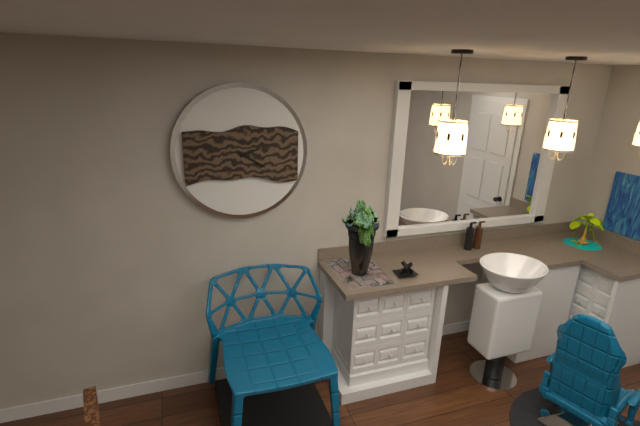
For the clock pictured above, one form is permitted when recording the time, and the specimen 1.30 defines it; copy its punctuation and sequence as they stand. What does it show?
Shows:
2.20
